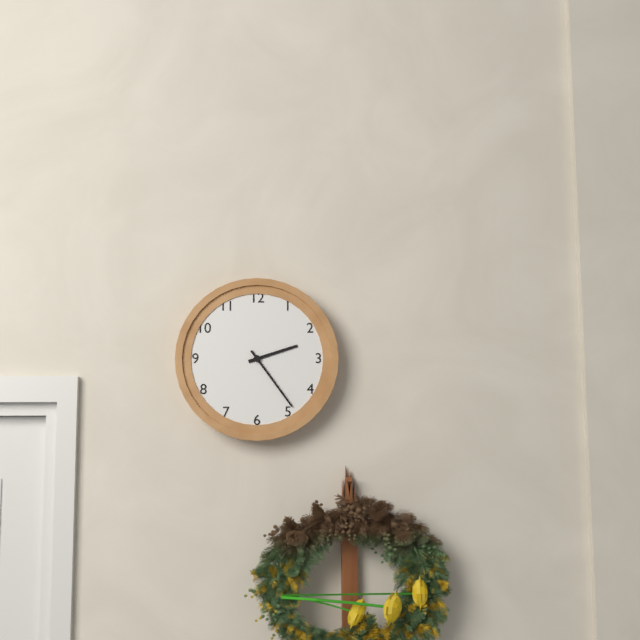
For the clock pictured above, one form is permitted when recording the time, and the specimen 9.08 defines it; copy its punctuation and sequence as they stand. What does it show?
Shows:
2.24
